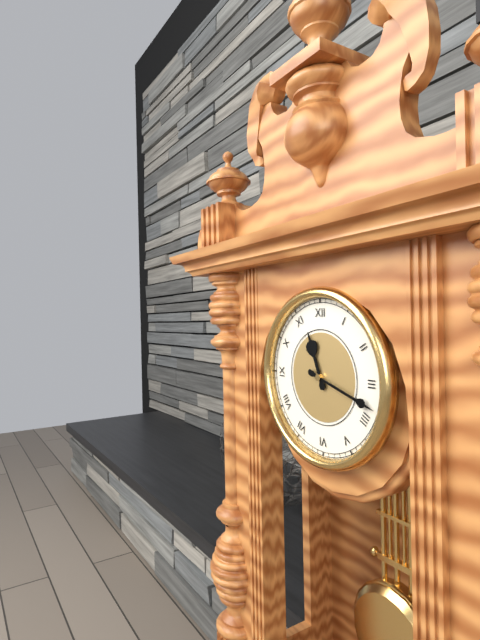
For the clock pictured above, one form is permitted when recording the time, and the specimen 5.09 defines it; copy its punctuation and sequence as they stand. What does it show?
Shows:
11.18
